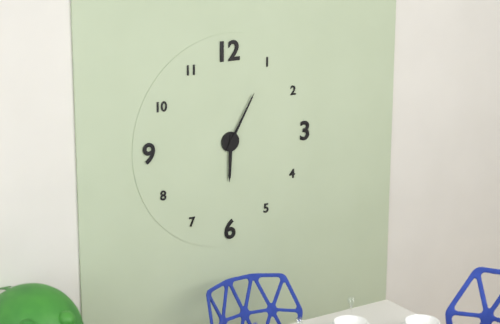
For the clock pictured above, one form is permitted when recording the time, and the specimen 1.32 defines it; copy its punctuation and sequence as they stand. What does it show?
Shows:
6.05
